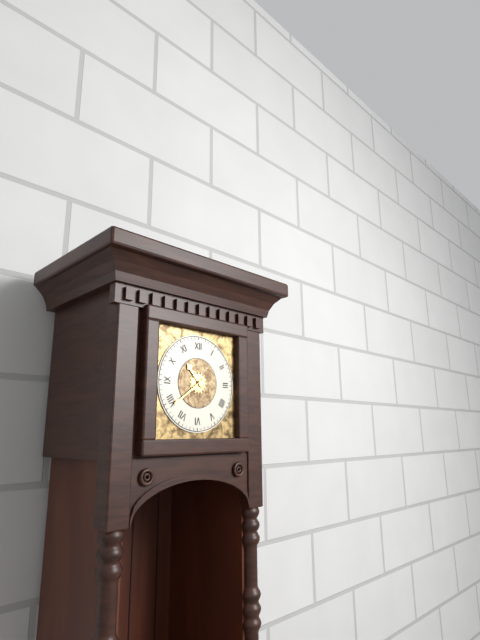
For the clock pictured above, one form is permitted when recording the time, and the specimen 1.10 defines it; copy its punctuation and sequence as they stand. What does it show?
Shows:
10.39
